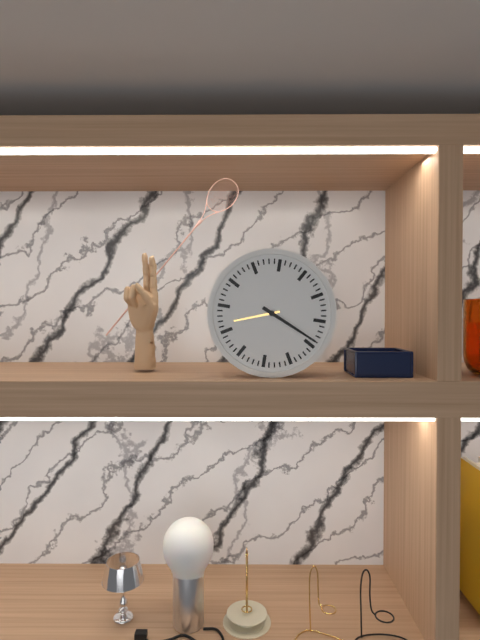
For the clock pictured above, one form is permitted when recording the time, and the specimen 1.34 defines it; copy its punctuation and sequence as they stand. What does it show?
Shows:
8.19
